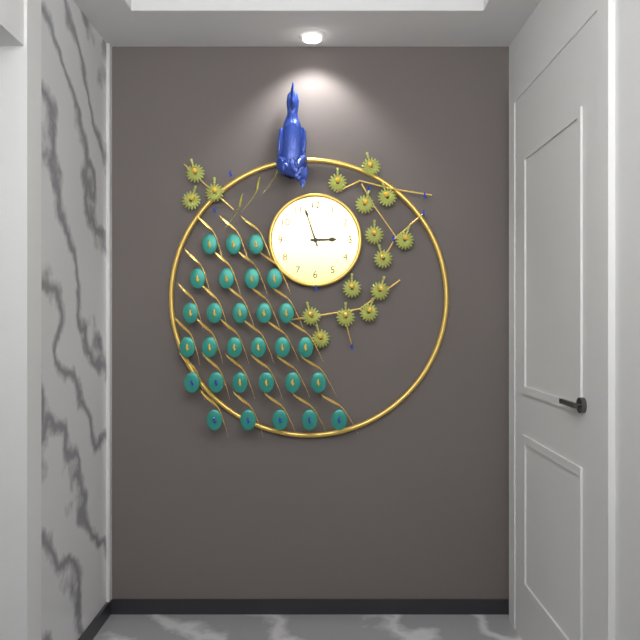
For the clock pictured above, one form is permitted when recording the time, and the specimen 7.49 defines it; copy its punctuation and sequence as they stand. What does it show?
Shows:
2.57
